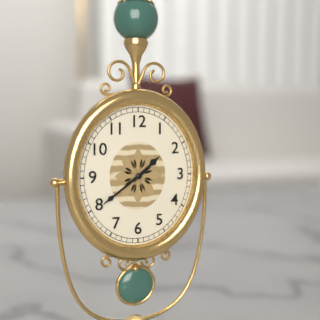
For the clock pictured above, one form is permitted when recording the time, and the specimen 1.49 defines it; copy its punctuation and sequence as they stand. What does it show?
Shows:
1.39
